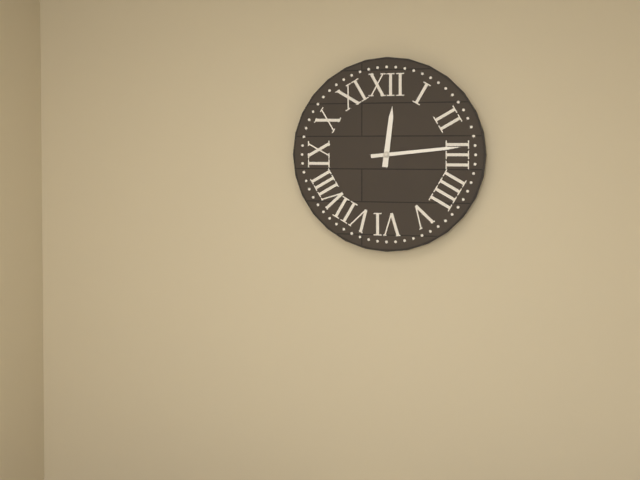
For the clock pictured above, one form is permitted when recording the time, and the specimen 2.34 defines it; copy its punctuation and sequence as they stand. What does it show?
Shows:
12.14
